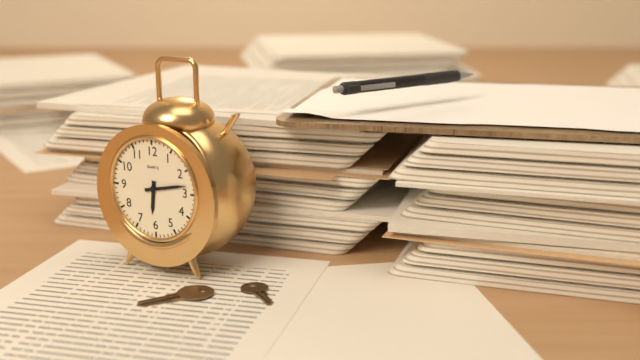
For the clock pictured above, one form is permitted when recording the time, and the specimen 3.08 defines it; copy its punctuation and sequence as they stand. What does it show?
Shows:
6.13
